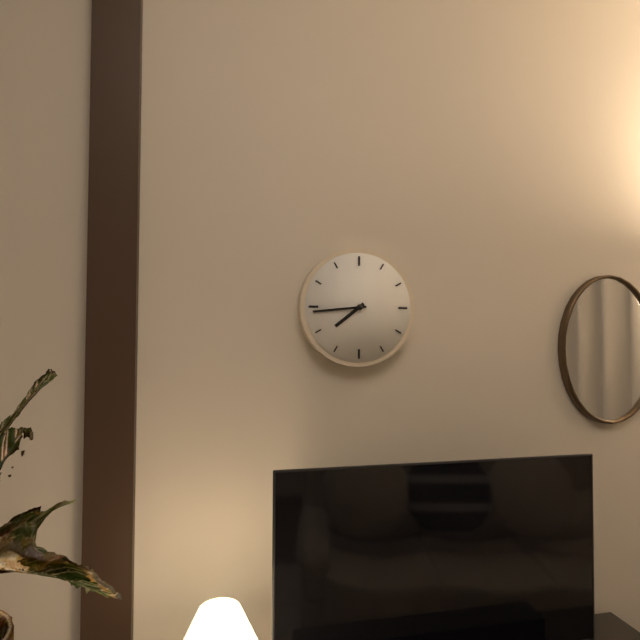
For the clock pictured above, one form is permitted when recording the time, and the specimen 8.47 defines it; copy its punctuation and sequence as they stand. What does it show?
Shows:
7.44
